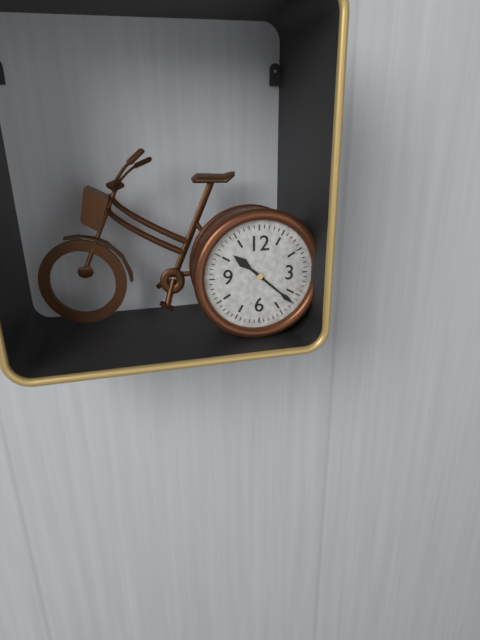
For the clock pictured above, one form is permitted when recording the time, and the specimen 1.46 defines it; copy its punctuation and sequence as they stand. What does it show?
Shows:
10.22
